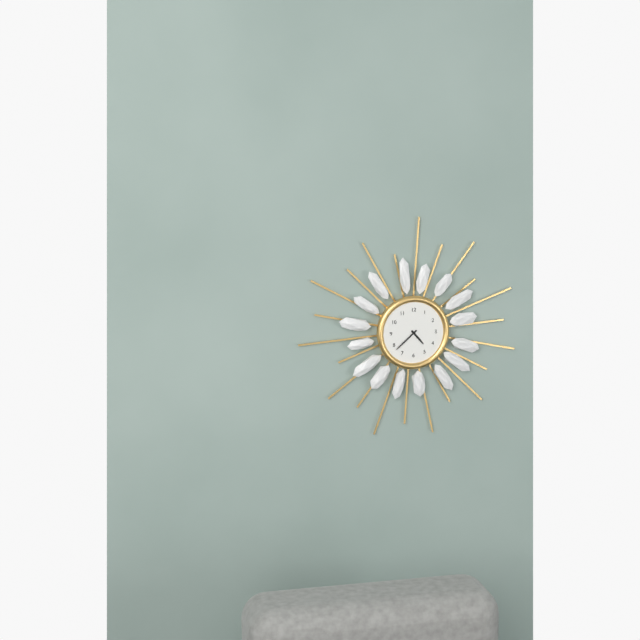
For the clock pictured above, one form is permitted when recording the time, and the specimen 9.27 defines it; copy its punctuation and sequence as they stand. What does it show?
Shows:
4.38
